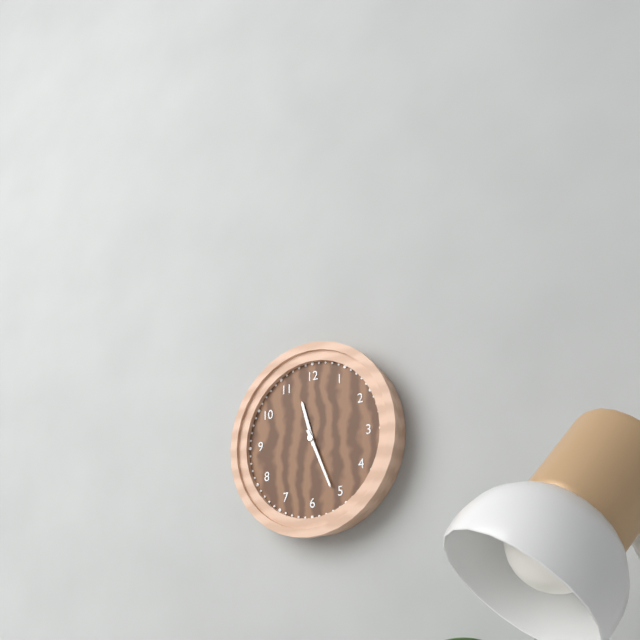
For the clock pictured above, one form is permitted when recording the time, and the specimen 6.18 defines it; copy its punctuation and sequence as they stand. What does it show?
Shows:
11.26
